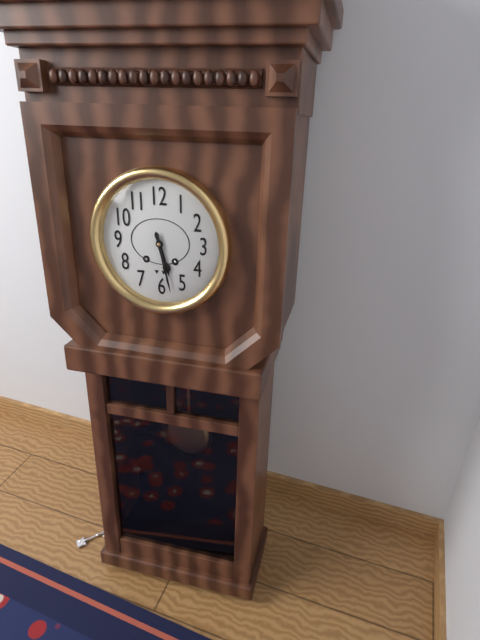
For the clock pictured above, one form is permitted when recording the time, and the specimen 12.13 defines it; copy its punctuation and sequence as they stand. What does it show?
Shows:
5.28
